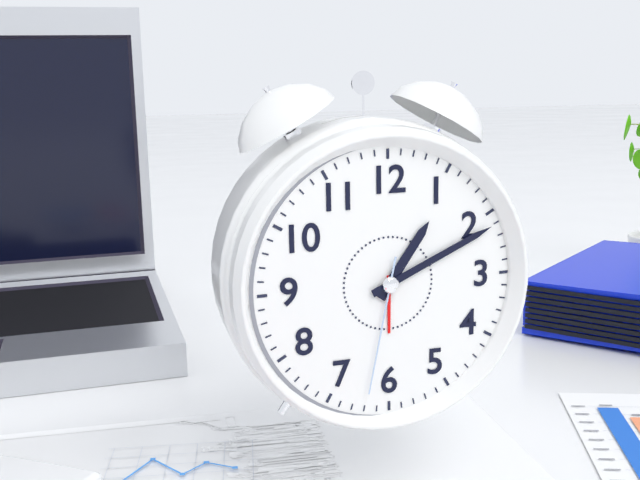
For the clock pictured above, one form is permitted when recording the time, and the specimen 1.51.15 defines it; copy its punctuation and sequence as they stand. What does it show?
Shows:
1.11.32
